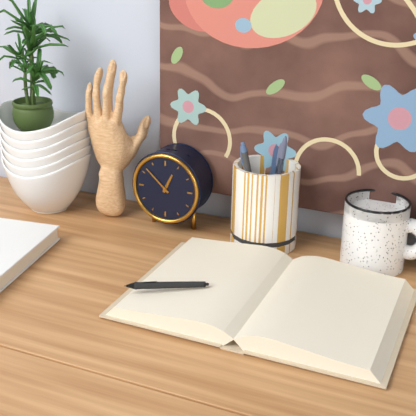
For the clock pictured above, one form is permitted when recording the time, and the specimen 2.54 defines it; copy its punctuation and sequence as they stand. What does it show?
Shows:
12.52
